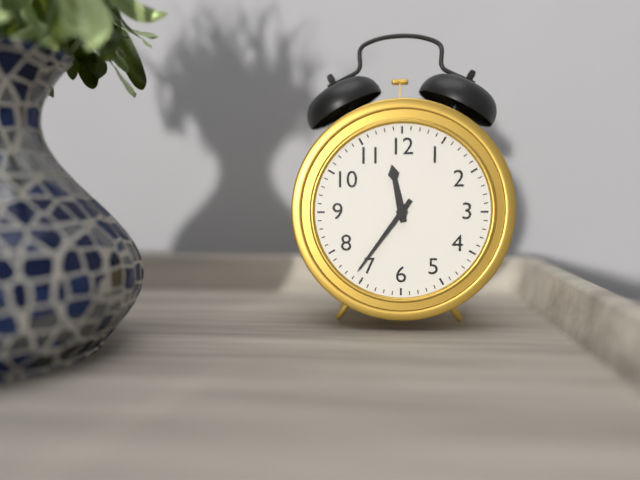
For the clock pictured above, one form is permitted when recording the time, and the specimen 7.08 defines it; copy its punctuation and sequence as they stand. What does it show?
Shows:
11.36
